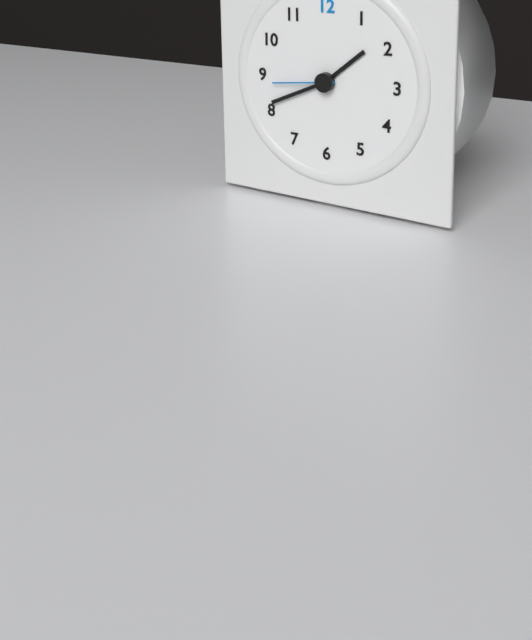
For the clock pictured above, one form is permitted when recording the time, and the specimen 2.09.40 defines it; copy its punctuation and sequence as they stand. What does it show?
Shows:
1.41.44
